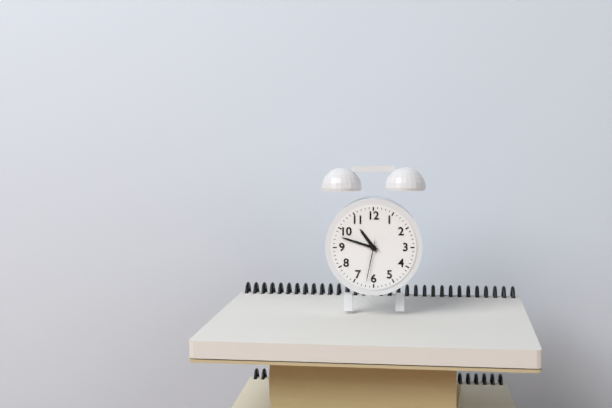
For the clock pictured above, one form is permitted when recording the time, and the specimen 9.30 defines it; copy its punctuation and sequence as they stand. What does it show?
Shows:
10.48
